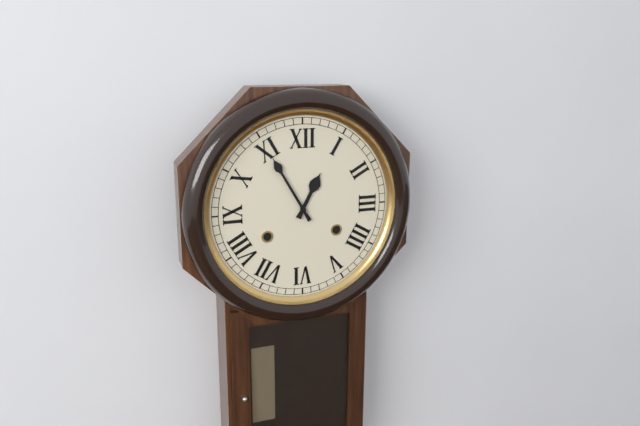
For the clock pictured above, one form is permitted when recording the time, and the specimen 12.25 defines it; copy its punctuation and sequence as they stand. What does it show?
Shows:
12.55
